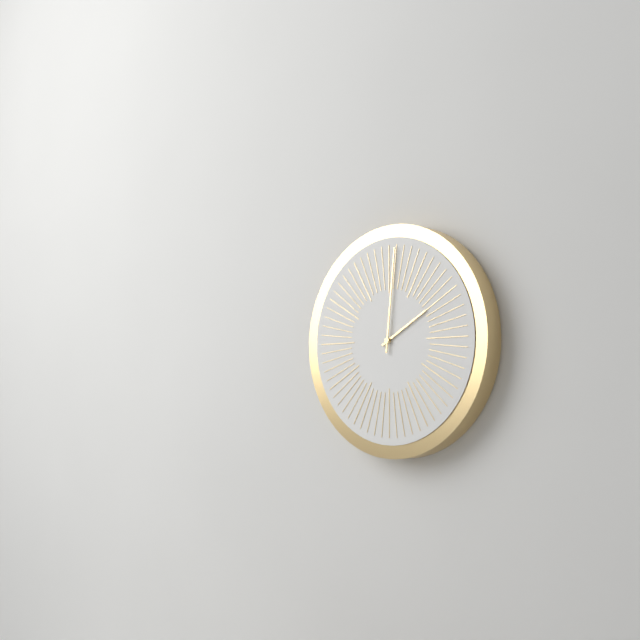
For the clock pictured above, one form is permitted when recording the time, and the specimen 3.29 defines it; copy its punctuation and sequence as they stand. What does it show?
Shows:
2.01
